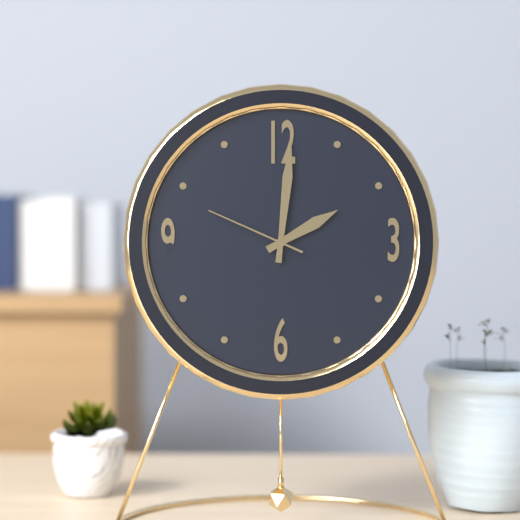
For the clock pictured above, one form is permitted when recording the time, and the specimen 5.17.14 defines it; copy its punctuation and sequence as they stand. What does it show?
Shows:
2.01.49
